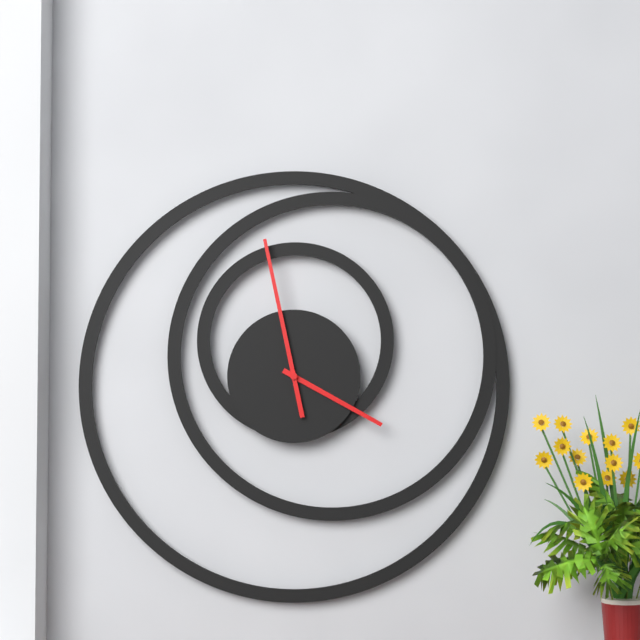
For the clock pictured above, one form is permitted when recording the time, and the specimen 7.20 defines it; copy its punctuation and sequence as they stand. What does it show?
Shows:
3.58
